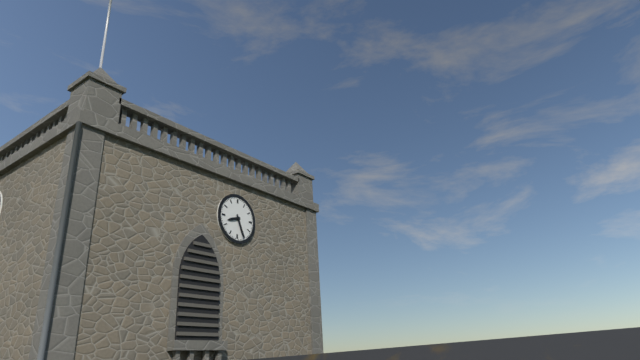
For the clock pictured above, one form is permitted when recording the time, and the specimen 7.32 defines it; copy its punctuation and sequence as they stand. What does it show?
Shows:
8.26
